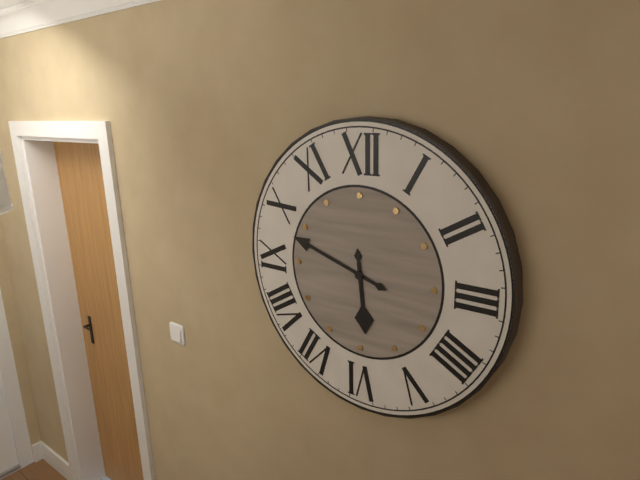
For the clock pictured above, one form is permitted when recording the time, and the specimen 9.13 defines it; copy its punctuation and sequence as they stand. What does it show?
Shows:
5.48
